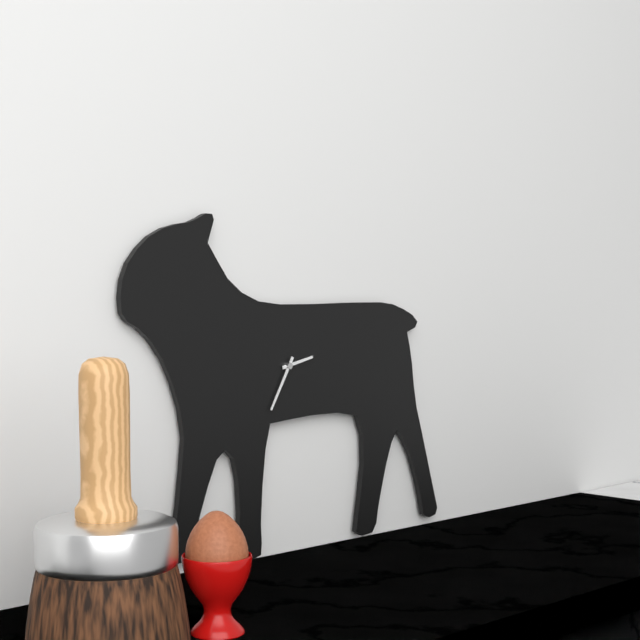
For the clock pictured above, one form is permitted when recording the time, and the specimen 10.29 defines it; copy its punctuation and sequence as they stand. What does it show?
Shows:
2.35
